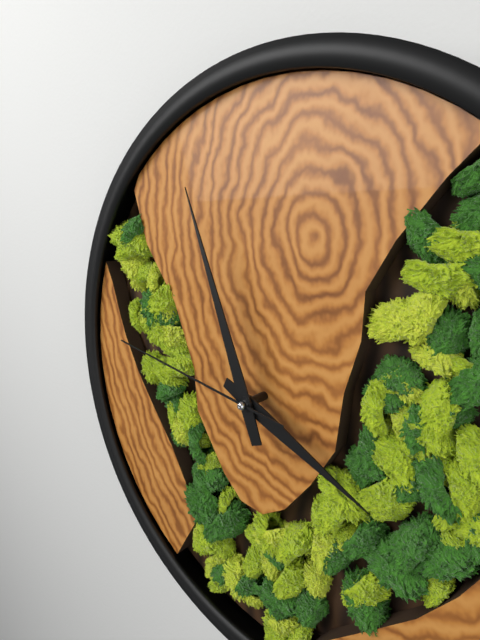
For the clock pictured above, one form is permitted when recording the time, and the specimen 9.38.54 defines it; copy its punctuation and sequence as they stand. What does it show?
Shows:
3.57.47
